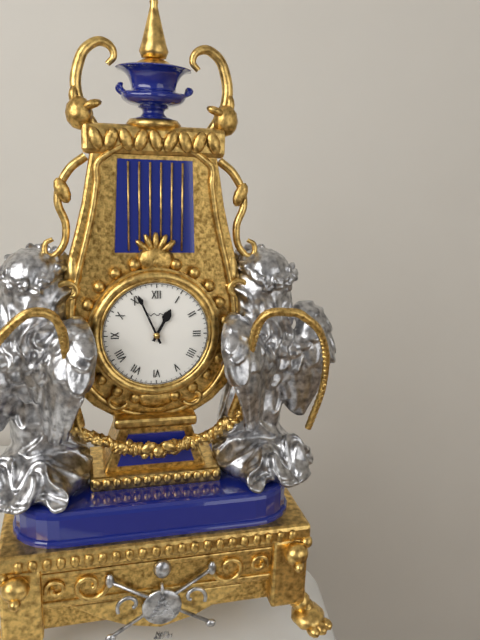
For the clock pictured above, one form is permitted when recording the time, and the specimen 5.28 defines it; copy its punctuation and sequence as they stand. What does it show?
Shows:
12.56
